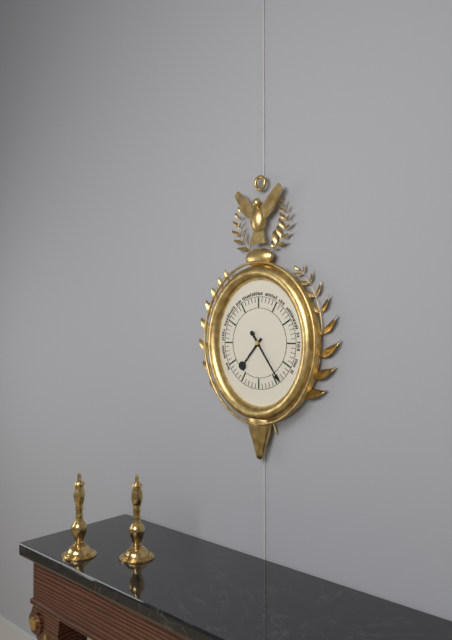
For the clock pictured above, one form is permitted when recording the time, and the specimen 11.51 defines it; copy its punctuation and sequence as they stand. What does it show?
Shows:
7.24
